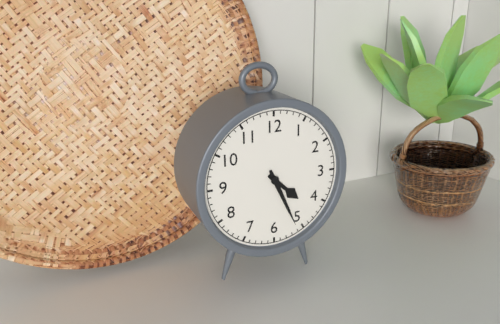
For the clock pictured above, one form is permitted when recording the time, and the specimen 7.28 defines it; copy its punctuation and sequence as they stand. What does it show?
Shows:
4.26
